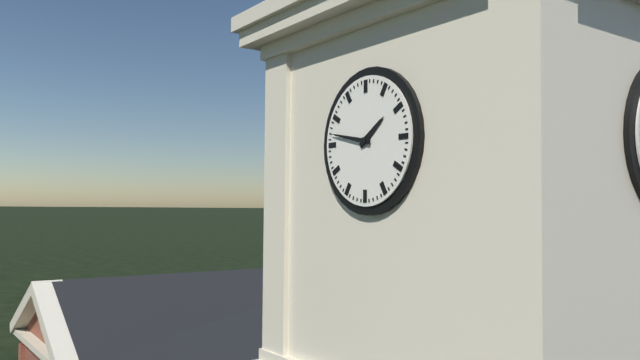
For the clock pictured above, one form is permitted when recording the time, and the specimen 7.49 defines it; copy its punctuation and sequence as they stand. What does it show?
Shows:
1.47
